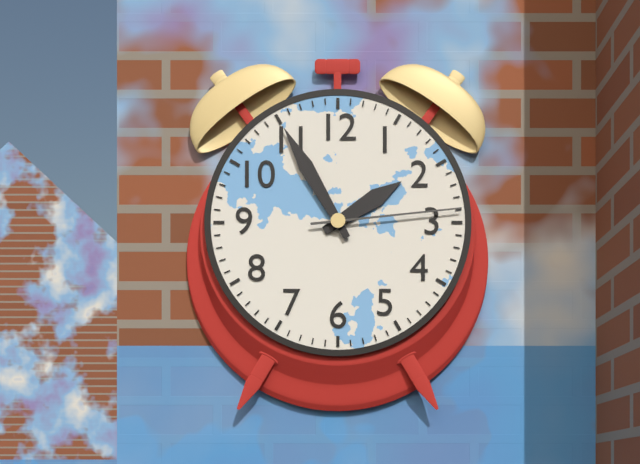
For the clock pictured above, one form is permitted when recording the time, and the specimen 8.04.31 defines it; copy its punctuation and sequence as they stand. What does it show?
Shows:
1.55.14
